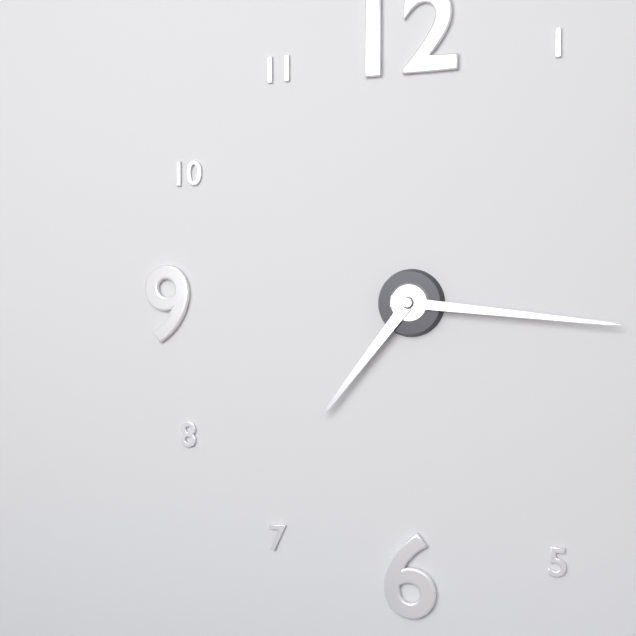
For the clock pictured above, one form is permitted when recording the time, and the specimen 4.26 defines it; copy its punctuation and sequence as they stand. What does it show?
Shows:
7.16
